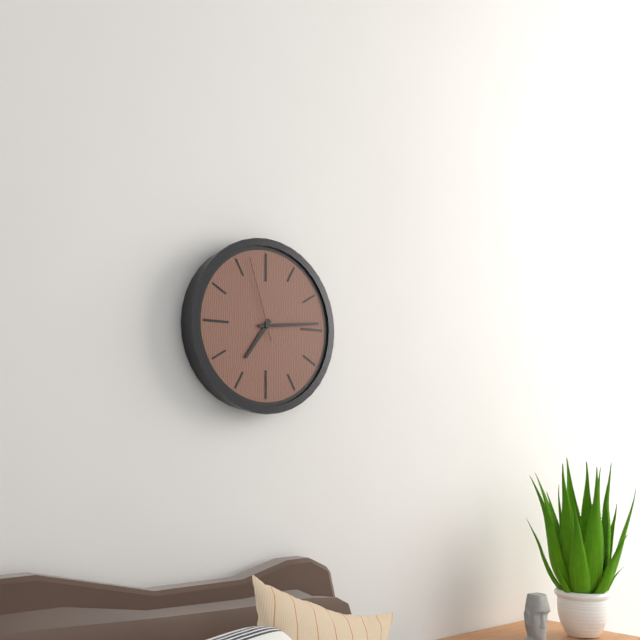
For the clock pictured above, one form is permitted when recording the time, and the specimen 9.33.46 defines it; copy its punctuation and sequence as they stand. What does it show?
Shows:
7.14.57
